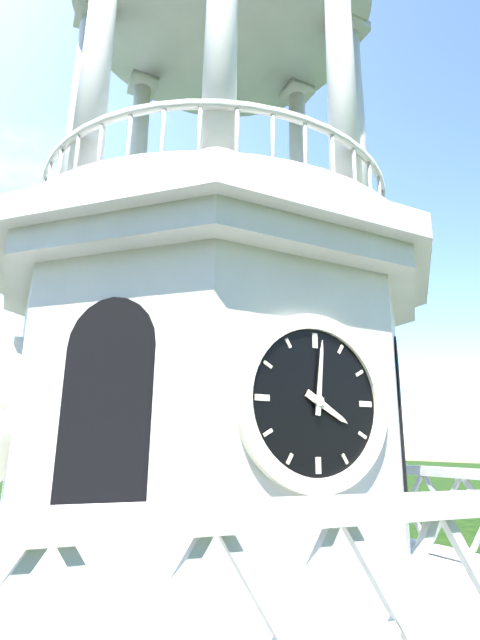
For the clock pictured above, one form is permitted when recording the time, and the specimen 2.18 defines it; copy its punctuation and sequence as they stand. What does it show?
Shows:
4.01
